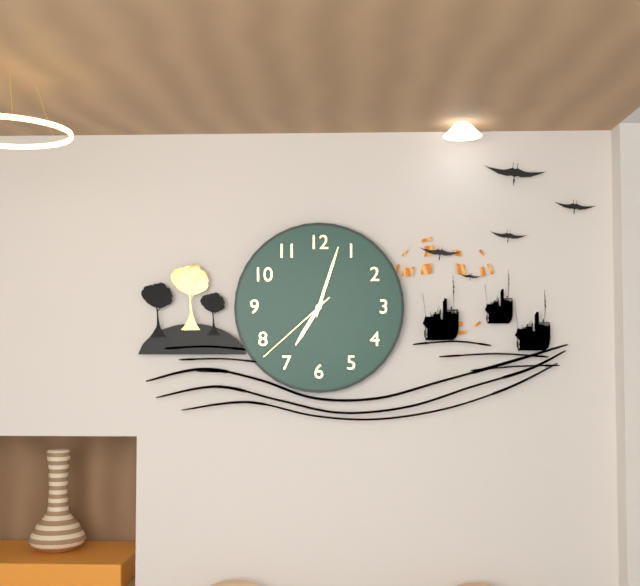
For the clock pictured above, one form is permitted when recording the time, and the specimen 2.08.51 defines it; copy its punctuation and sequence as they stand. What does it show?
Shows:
7.03.38
